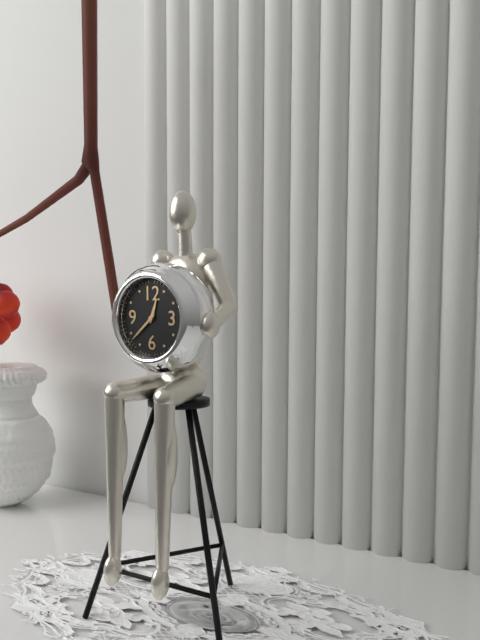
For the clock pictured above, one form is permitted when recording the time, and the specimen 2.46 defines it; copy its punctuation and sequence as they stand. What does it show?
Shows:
12.38
